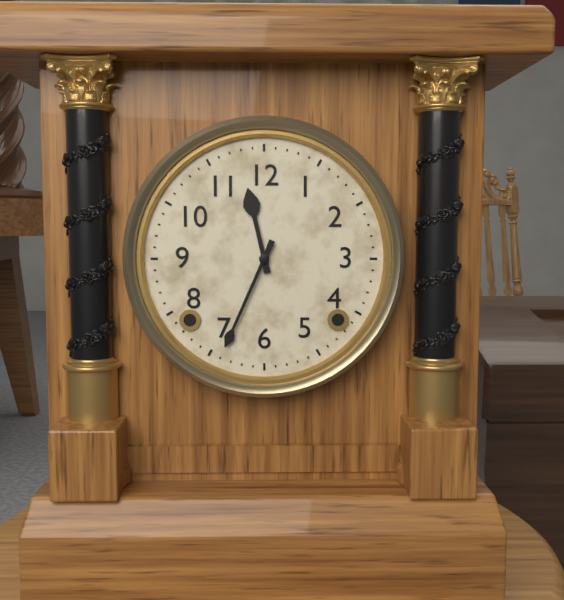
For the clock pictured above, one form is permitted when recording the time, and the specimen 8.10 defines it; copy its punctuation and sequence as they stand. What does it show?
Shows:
11.34
